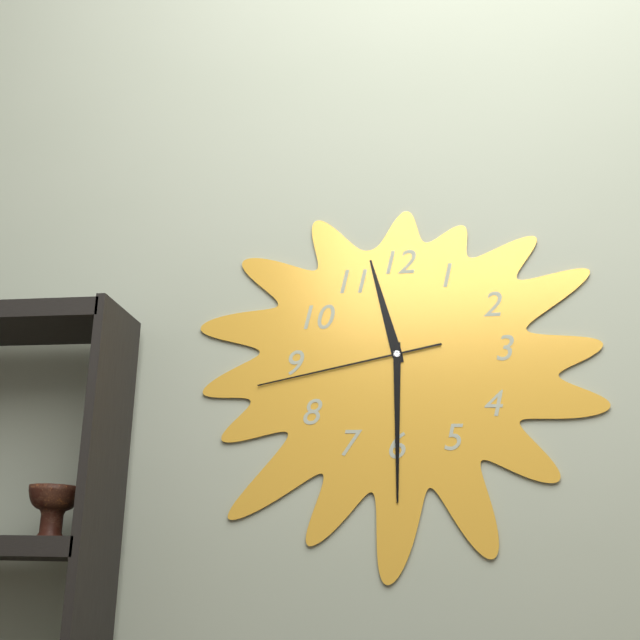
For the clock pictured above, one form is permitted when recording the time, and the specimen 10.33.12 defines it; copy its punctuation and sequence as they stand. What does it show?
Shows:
11.30.43
